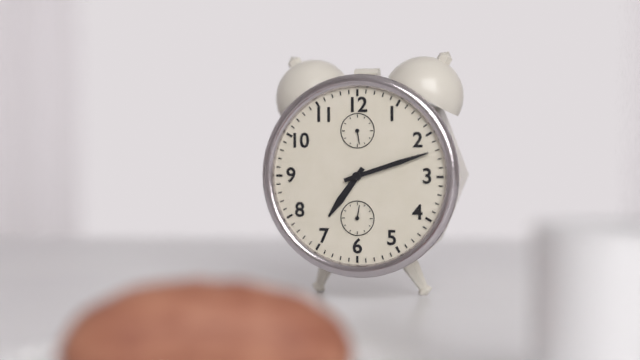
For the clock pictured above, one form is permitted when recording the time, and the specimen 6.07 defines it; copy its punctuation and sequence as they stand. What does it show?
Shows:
7.12
